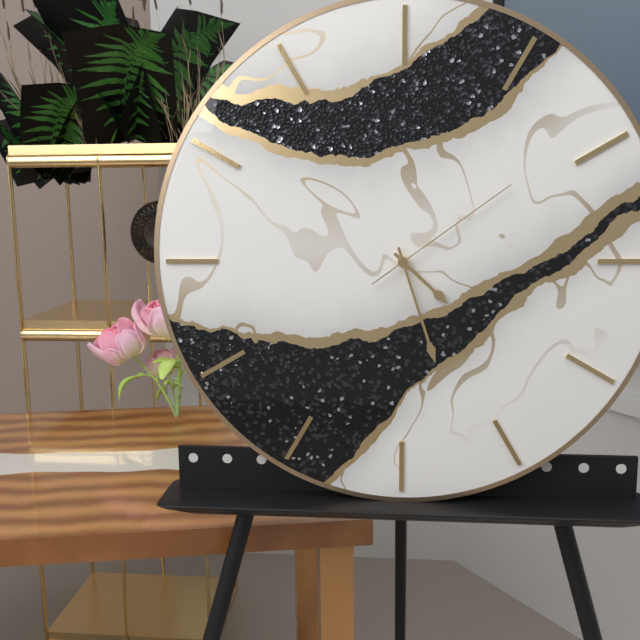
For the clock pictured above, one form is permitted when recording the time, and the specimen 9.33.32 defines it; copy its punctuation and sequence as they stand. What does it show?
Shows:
4.27.09
